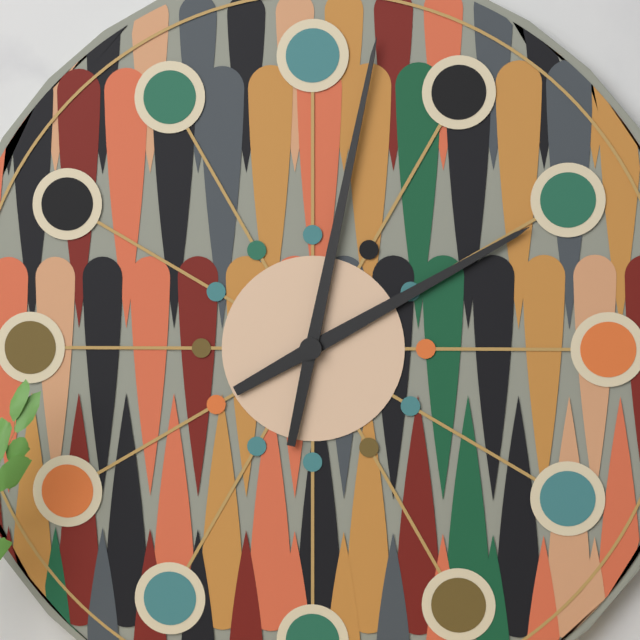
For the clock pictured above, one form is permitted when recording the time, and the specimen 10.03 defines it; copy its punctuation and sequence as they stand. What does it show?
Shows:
2.02
